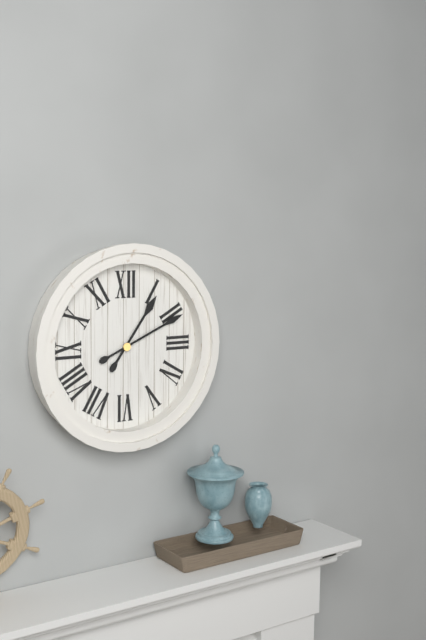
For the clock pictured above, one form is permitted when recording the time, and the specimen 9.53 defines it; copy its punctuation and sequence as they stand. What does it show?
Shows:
1.11
